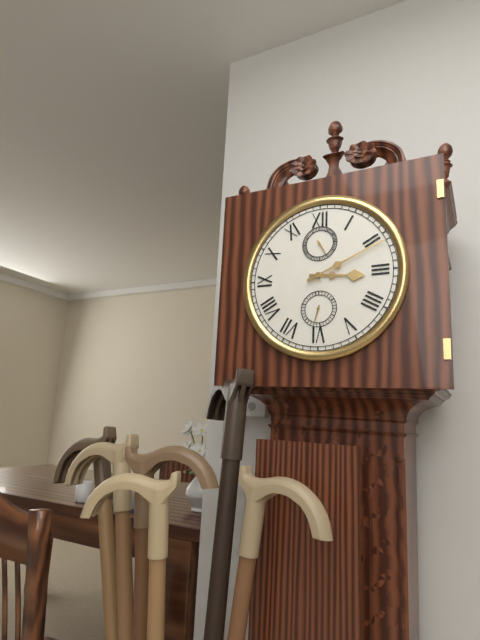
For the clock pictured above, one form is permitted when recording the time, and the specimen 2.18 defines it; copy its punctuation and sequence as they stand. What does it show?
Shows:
3.11
